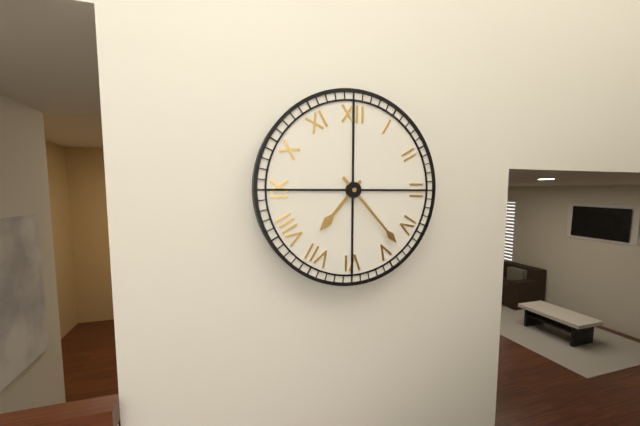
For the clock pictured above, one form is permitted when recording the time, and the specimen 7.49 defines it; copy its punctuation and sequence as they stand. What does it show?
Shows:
7.23
